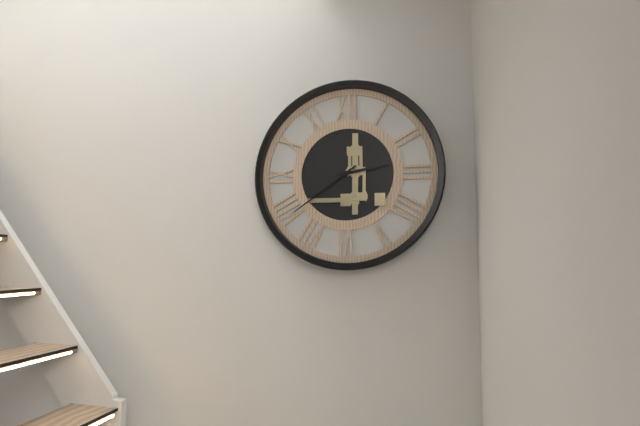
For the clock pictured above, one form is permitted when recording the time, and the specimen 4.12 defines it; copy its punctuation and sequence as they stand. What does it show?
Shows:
2.39
